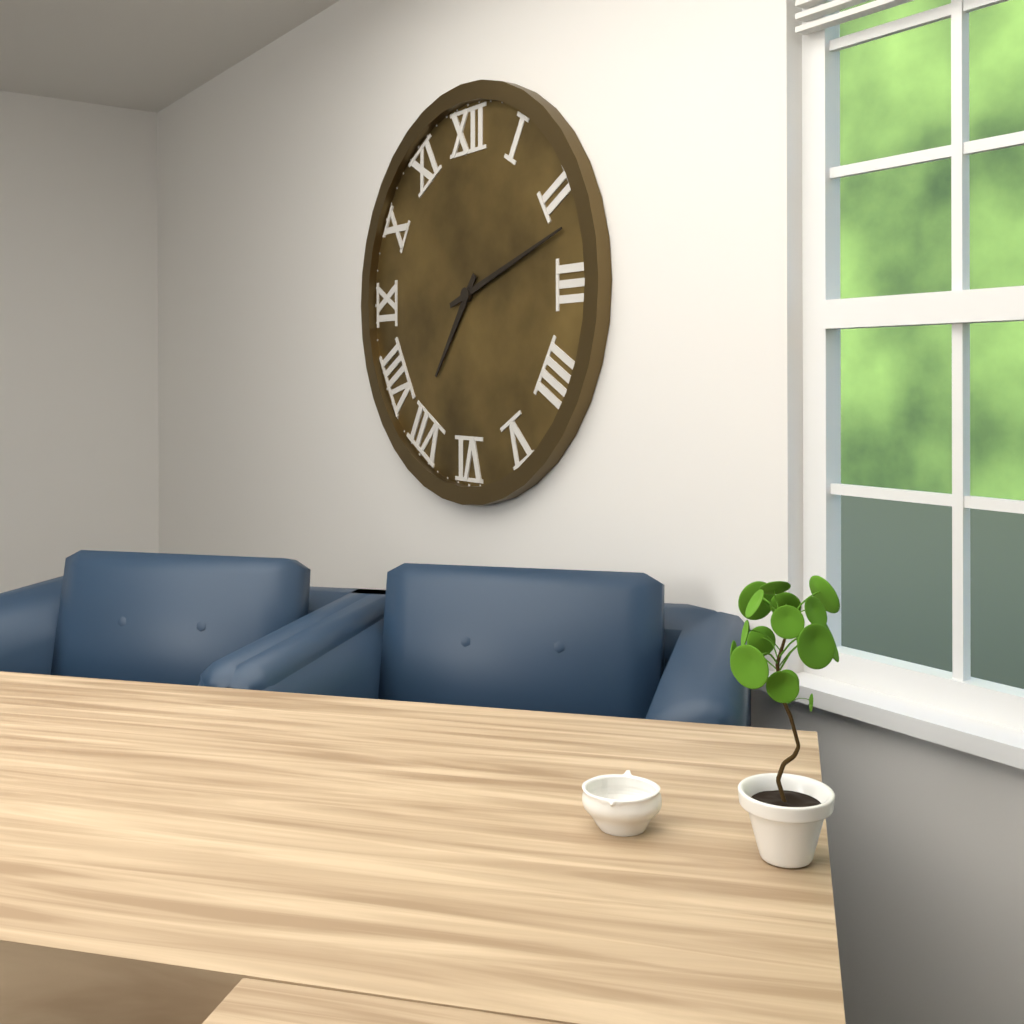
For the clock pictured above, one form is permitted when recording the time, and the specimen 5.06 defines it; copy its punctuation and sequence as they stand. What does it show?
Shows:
7.12
